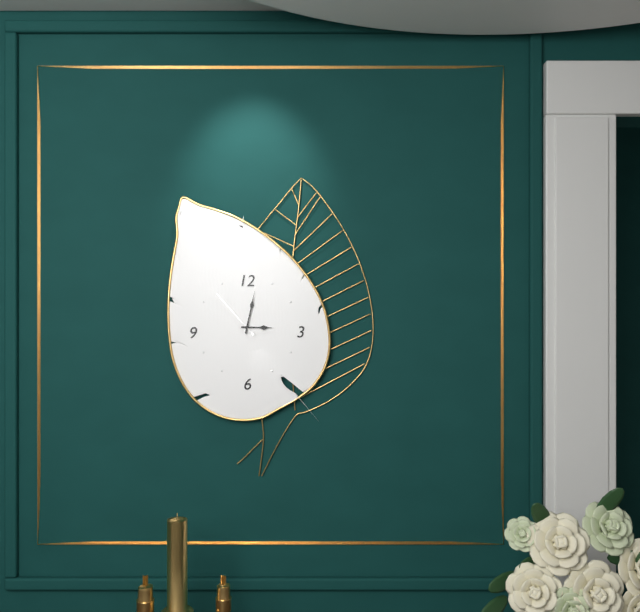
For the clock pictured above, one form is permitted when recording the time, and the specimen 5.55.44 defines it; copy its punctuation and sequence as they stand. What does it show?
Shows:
3.02.53
